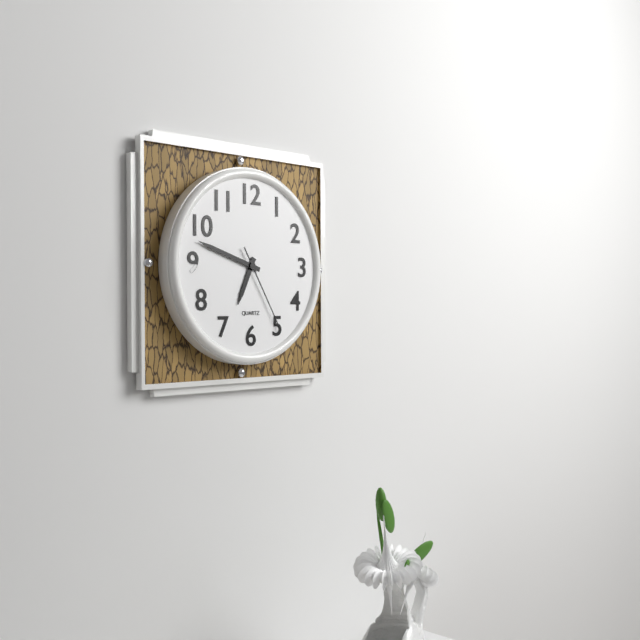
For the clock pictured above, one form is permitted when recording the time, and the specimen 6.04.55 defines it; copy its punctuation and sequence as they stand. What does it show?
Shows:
6.48.25
